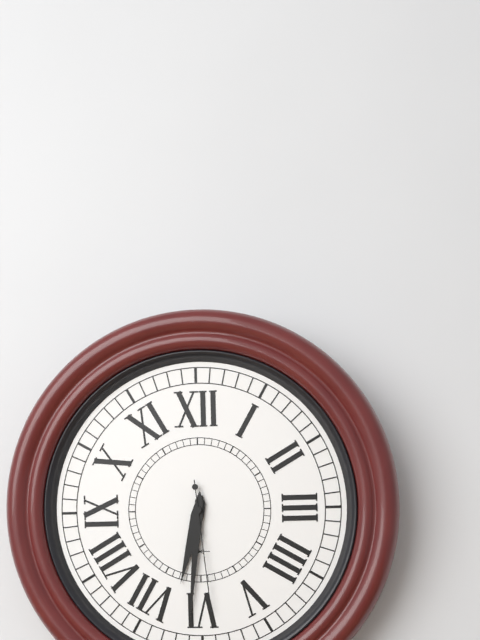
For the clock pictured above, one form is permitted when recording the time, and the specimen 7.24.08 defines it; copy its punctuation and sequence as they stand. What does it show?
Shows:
6.31.29
